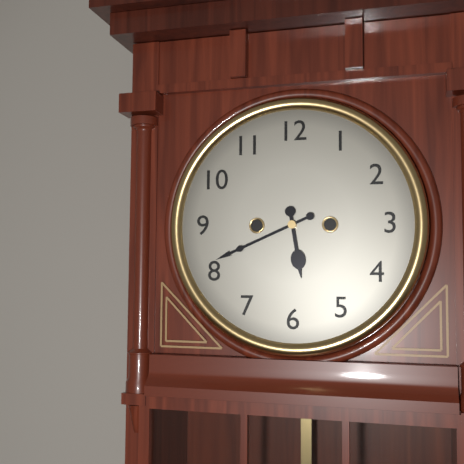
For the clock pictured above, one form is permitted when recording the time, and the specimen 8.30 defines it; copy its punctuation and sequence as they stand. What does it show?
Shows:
5.41
